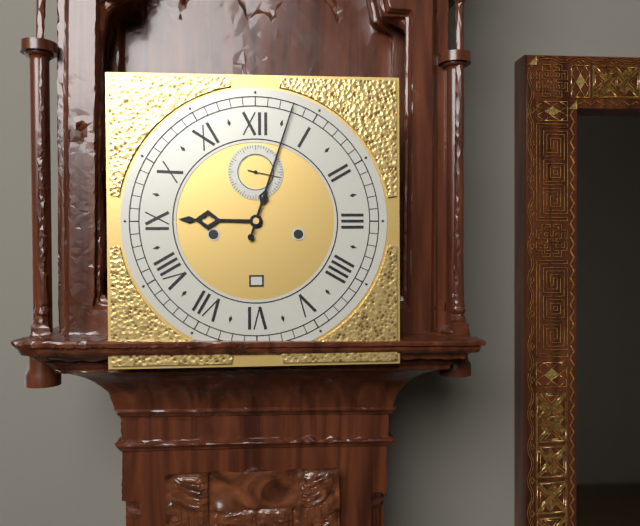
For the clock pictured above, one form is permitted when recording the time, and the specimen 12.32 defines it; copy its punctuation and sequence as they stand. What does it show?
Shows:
9.03
